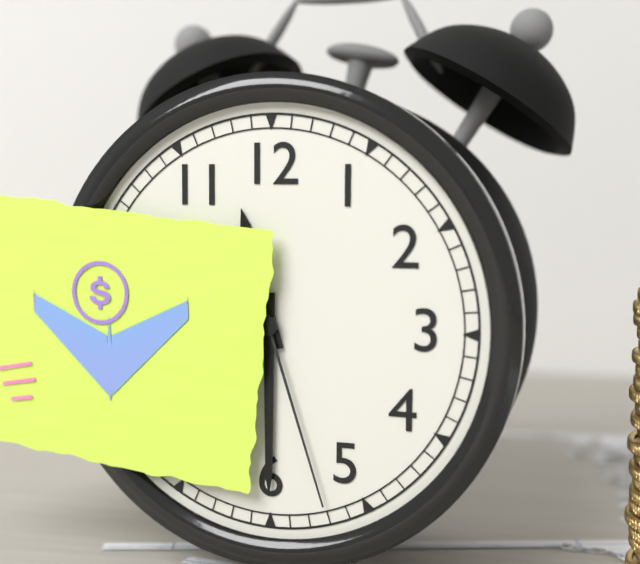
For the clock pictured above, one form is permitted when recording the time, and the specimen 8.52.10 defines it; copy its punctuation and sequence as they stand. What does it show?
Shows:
11.30.27
